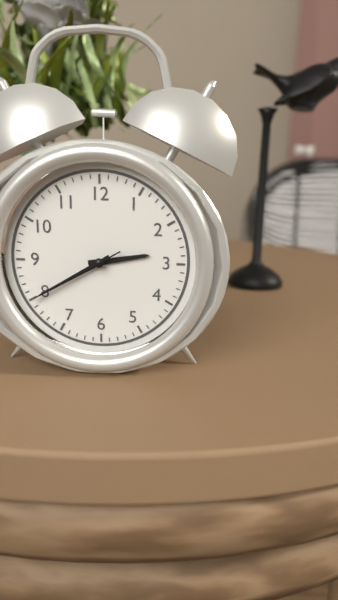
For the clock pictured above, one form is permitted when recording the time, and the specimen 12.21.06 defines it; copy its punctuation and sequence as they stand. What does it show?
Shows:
2.40.40
